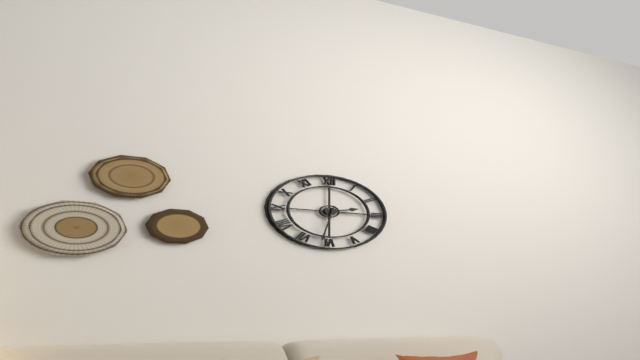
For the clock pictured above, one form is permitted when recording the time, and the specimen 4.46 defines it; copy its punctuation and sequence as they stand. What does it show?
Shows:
2.32
